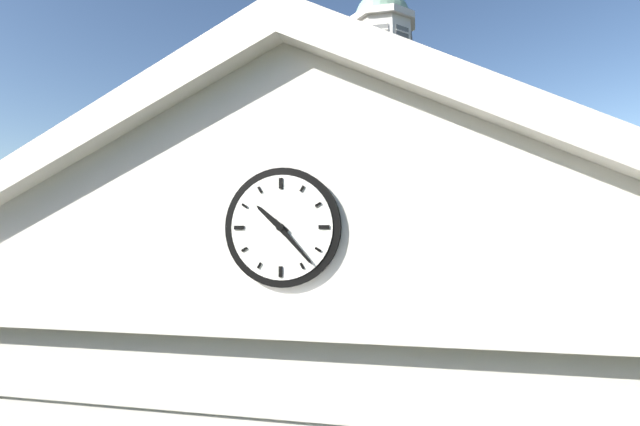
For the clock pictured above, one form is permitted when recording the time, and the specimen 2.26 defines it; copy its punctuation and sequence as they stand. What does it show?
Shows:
10.23
